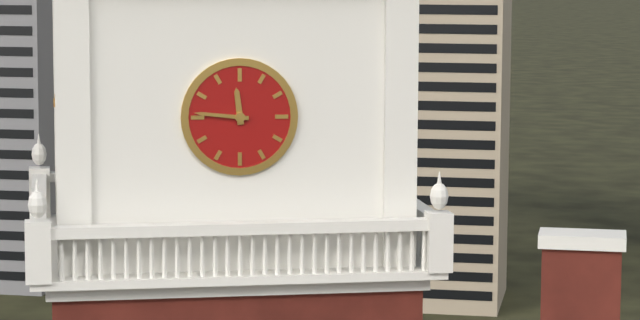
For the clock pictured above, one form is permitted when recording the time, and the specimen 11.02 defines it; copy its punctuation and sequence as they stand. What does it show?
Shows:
11.46
